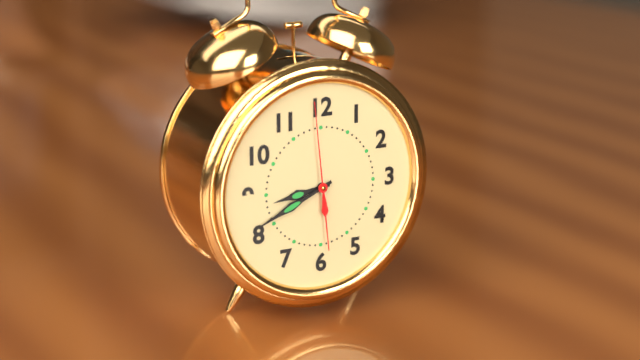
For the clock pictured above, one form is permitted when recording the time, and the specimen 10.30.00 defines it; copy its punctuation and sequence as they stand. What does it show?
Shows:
8.41.59
